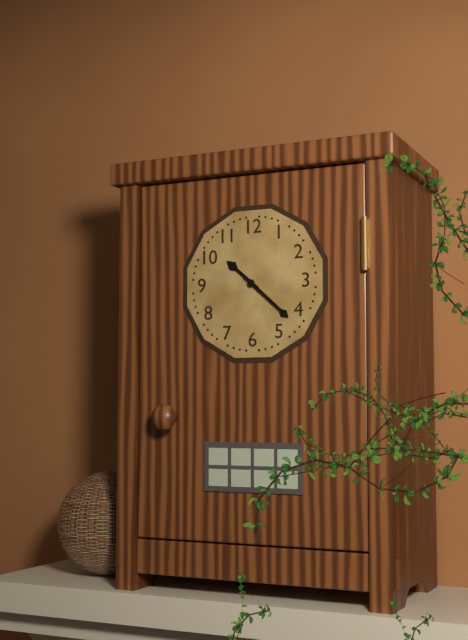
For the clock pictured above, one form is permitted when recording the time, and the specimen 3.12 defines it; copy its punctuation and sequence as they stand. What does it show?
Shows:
10.22
